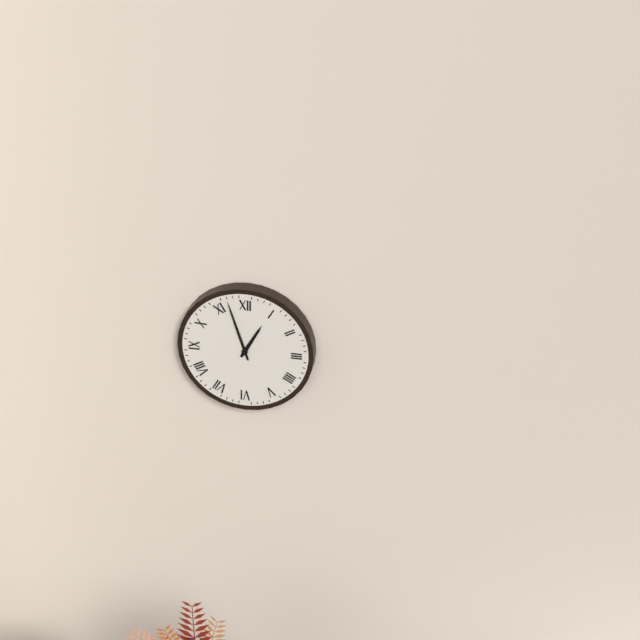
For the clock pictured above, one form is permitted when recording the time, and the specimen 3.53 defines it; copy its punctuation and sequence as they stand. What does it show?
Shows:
12.57
